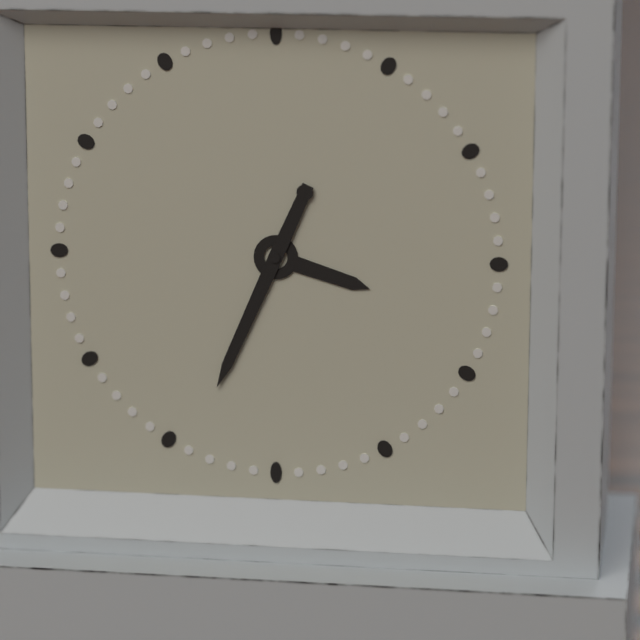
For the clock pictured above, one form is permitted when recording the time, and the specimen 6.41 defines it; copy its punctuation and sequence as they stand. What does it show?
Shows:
3.34
